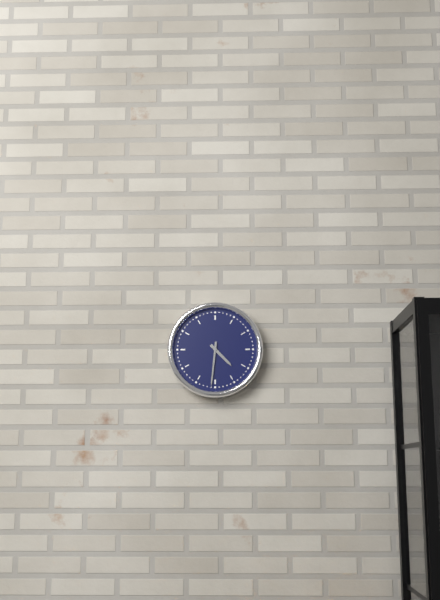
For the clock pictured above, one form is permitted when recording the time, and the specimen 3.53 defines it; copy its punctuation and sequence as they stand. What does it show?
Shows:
4.31
